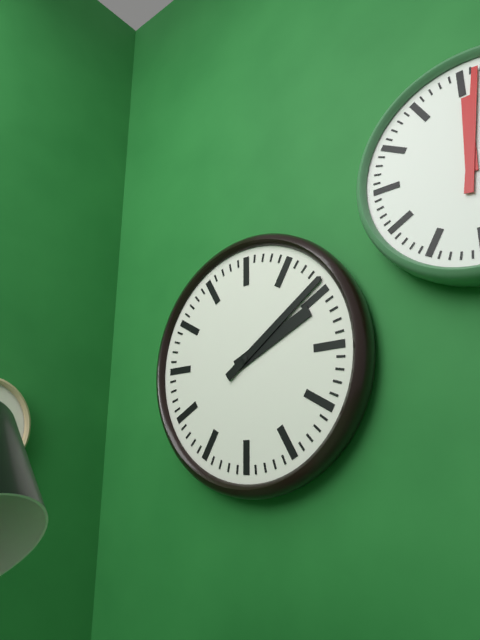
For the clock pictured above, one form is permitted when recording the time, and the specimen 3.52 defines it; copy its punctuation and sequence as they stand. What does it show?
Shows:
2.09
